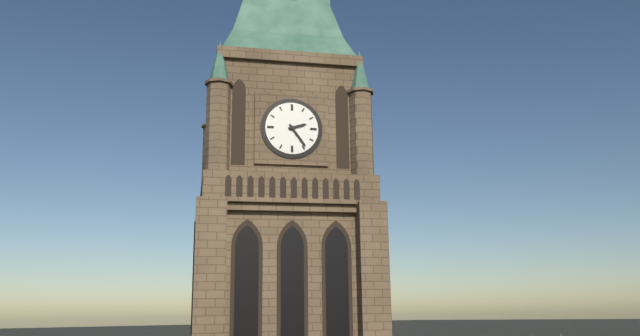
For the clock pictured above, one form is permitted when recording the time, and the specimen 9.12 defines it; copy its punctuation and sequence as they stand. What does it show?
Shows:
2.24
